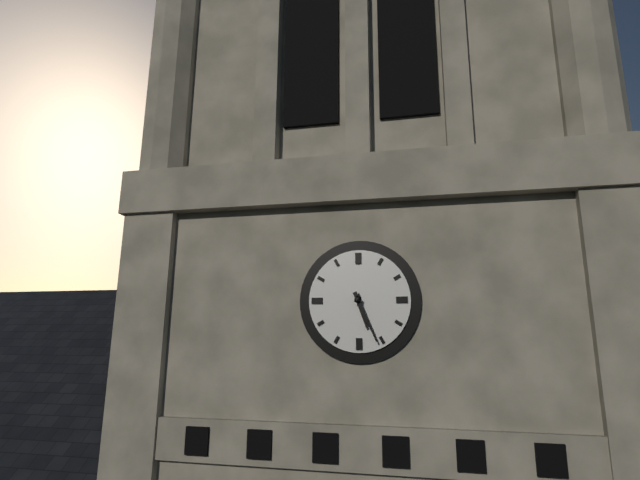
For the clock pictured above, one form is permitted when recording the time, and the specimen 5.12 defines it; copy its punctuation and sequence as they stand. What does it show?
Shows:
5.26
